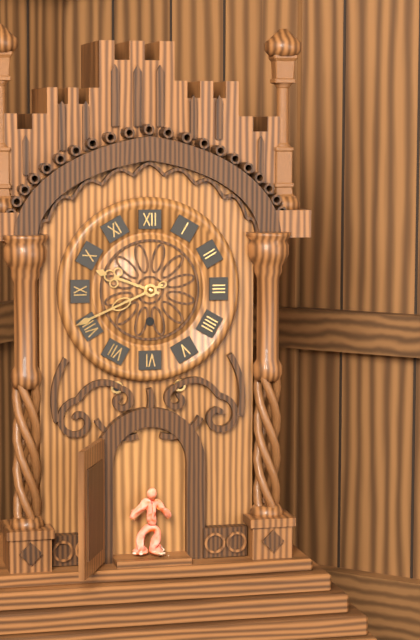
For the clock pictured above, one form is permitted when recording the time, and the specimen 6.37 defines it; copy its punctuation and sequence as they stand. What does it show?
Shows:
9.41
